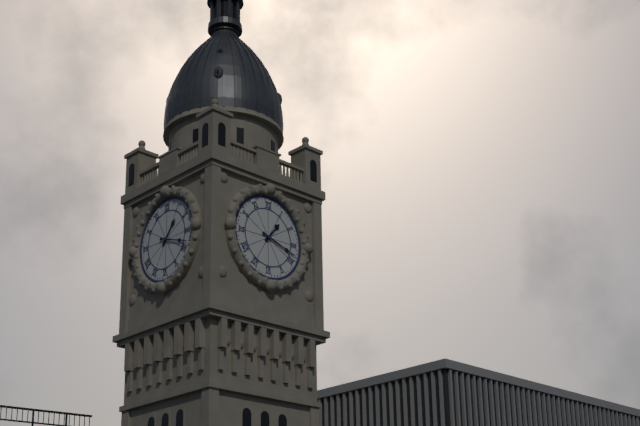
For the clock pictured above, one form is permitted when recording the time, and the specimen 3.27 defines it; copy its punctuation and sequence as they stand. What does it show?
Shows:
1.18
